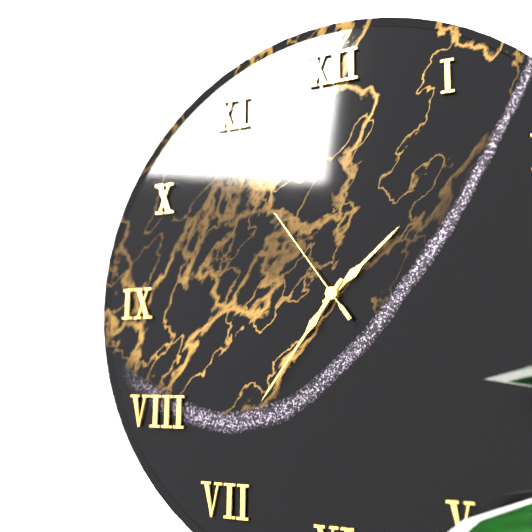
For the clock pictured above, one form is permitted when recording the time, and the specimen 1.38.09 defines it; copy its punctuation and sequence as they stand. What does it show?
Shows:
1.36.54
